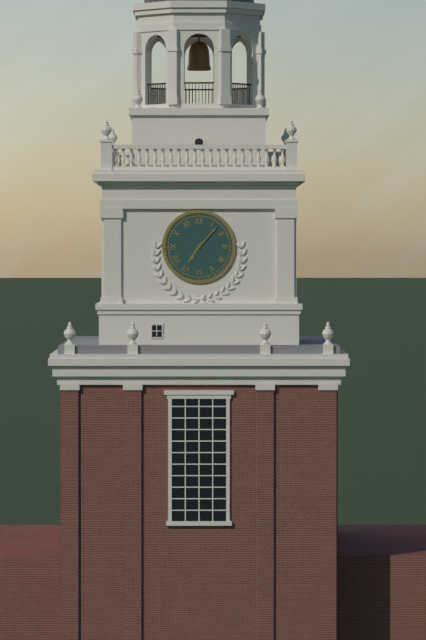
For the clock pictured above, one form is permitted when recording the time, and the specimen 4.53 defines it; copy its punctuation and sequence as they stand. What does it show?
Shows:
7.07
